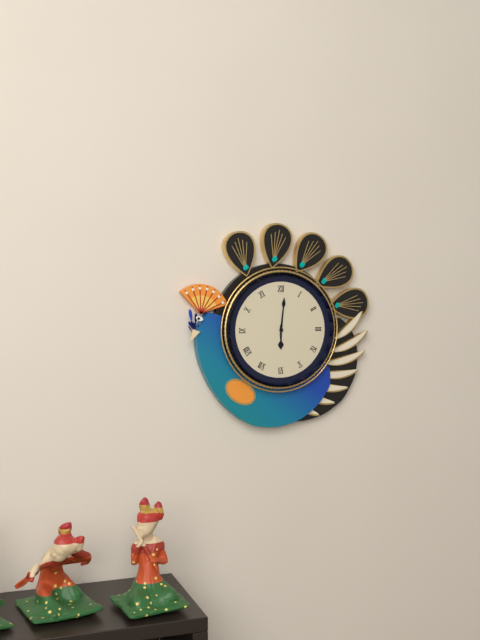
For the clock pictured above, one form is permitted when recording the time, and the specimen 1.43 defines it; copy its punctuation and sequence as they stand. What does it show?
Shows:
6.01
